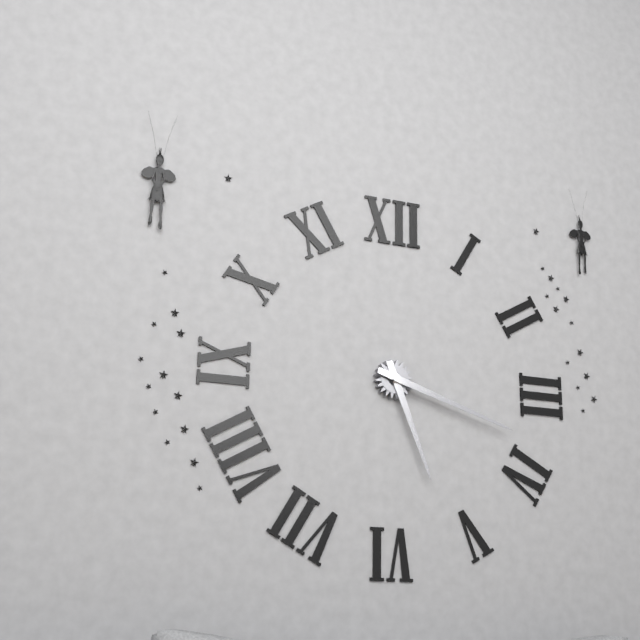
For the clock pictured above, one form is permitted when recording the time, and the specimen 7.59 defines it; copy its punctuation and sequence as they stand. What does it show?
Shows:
5.18
